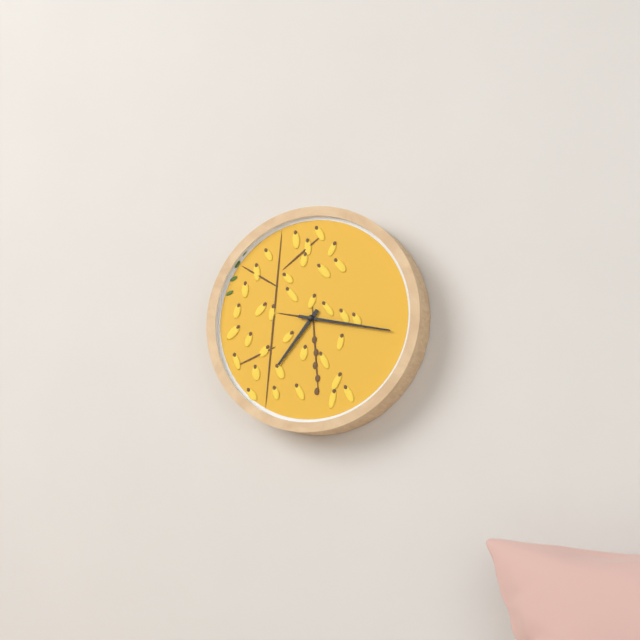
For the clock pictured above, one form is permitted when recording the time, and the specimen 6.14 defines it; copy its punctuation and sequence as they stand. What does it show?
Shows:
7.17
